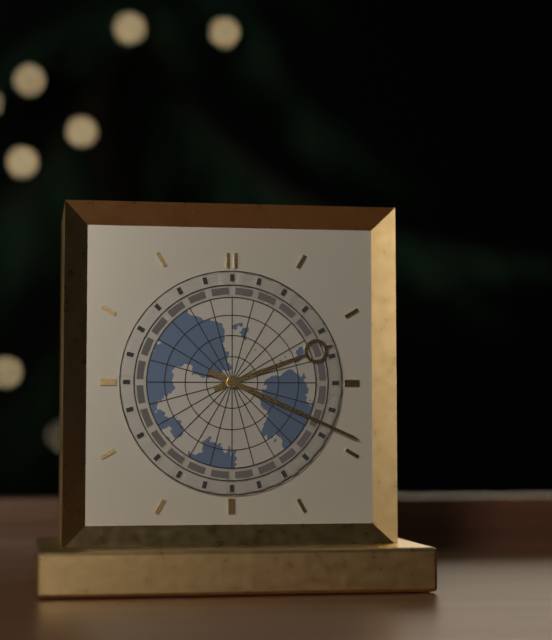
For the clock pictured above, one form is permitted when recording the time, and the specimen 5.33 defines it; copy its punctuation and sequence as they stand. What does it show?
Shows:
2.19
